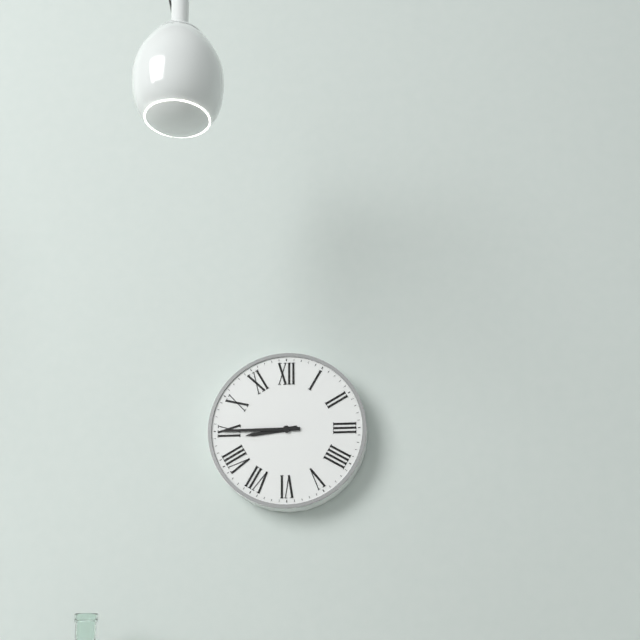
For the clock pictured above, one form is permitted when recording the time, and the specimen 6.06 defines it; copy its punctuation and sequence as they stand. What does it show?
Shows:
8.45
